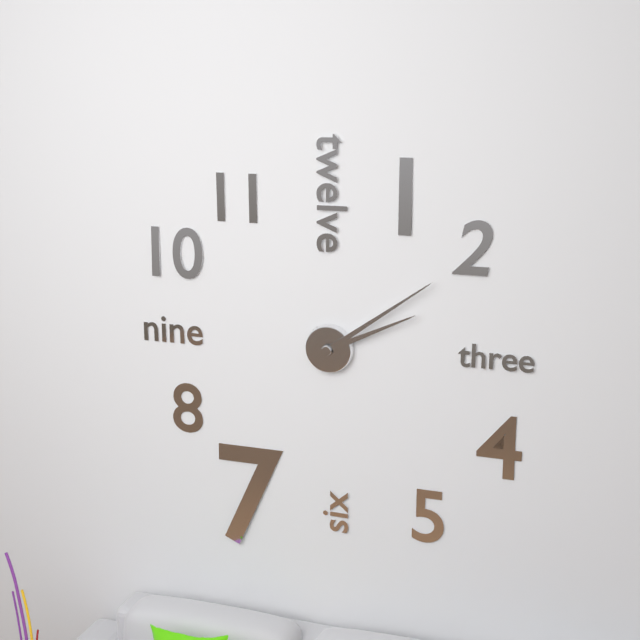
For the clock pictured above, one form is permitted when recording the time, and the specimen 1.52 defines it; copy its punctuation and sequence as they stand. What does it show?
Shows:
2.09
